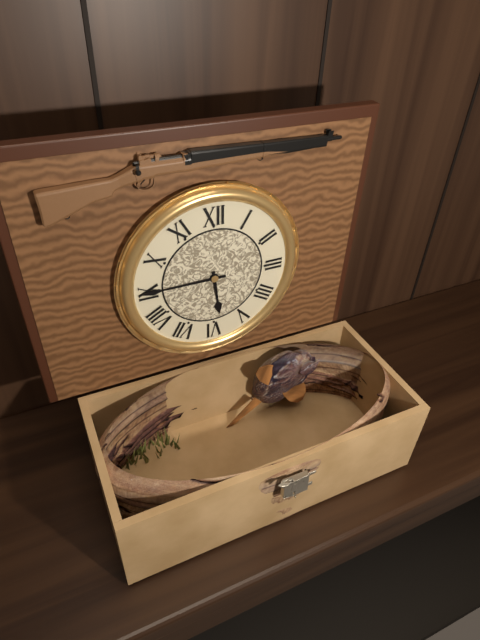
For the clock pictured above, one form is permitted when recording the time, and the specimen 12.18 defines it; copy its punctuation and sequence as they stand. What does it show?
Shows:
5.45
